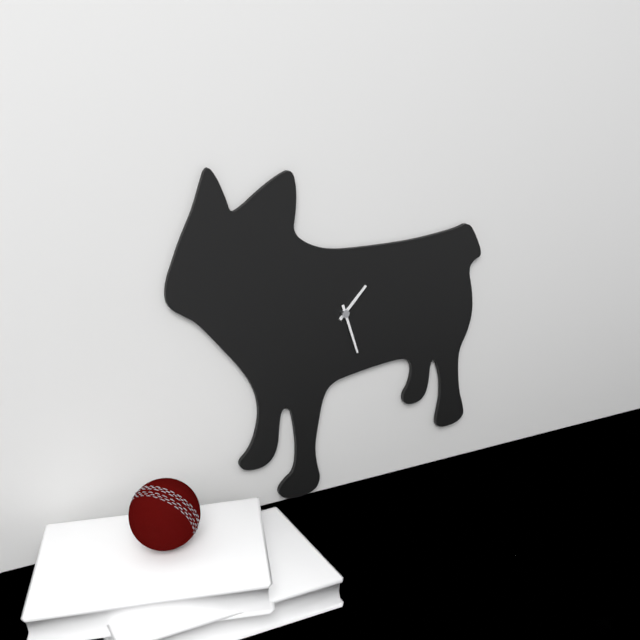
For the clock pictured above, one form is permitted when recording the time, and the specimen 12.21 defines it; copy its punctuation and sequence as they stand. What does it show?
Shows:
1.27
